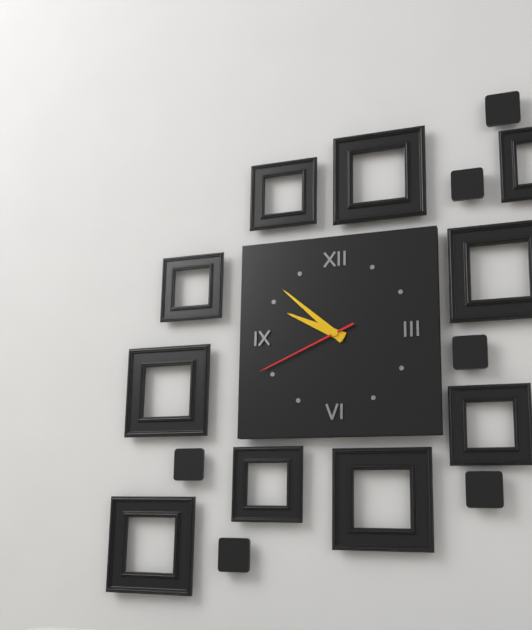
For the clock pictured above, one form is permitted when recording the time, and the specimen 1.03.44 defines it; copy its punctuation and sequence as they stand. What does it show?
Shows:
9.52.41
